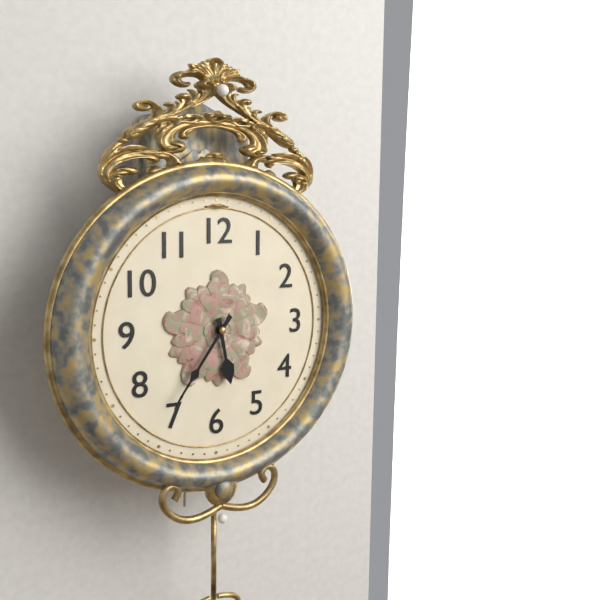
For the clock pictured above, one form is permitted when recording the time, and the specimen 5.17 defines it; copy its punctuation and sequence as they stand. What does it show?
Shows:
5.36
